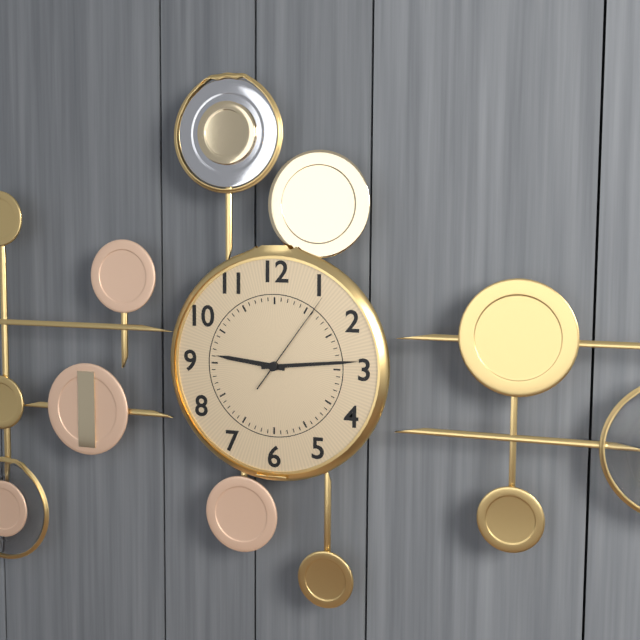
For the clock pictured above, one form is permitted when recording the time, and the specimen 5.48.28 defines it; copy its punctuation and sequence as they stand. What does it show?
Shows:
9.14.06
